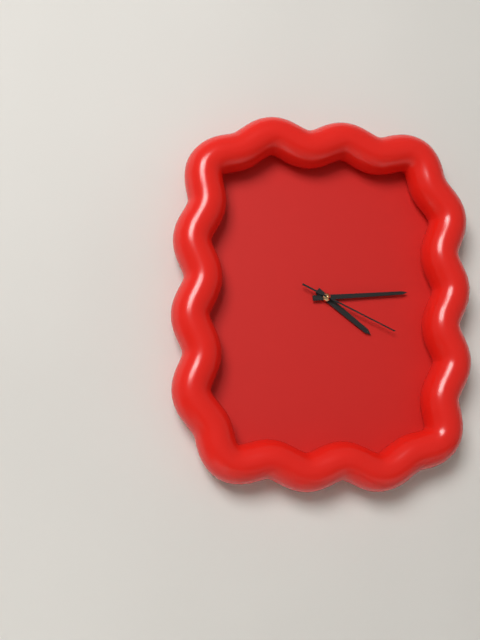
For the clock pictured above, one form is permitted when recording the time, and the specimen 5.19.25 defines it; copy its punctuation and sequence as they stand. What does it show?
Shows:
4.14.19
